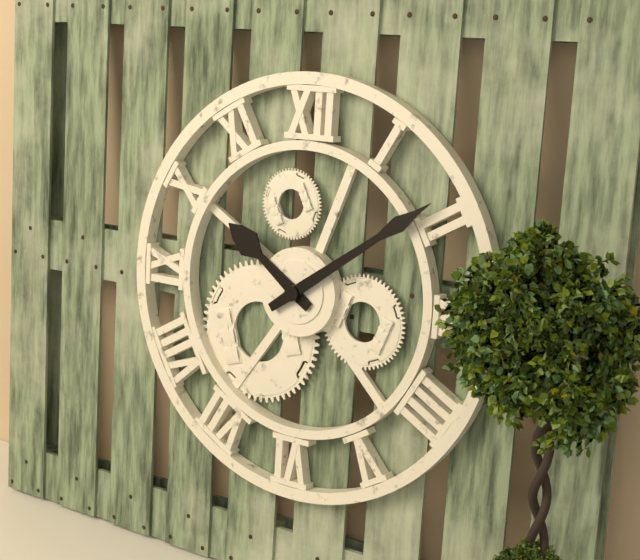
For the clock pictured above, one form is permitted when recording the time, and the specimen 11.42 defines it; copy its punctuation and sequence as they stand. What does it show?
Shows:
10.09
